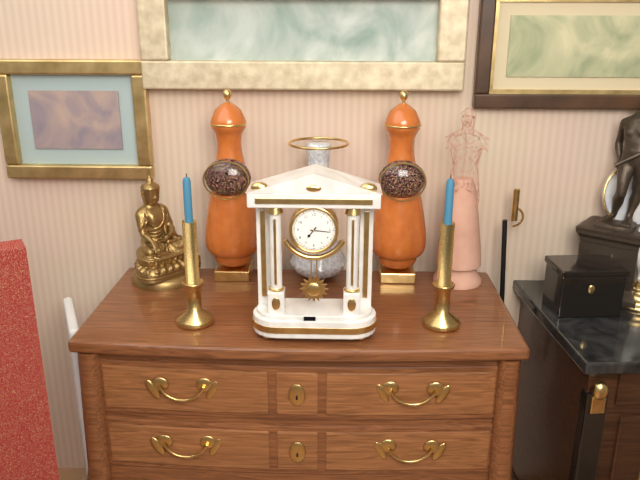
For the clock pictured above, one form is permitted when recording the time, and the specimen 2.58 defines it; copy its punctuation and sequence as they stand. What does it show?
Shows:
7.16
